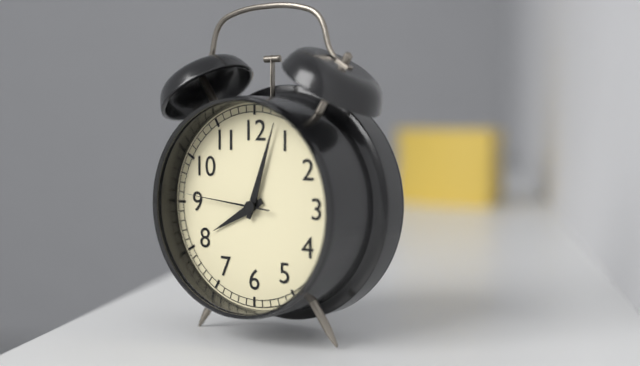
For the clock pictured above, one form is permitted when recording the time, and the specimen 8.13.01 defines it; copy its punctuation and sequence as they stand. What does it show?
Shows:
8.03.46
